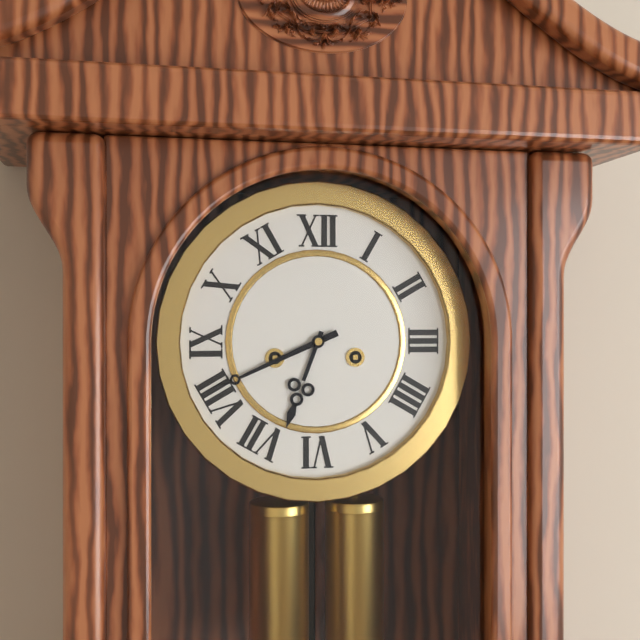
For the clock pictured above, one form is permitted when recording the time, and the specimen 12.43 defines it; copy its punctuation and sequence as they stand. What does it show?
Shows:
6.41
